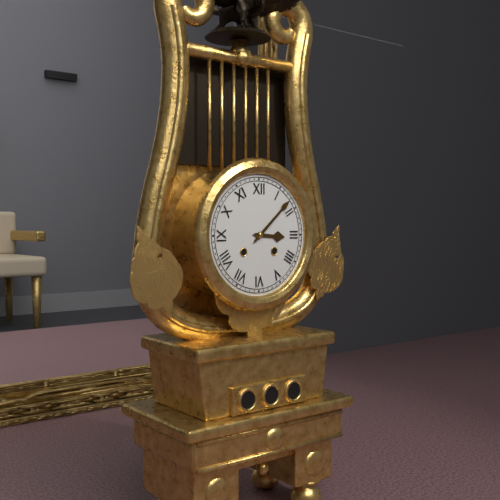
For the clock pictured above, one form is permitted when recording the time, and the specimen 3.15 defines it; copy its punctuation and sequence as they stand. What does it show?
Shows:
3.08
